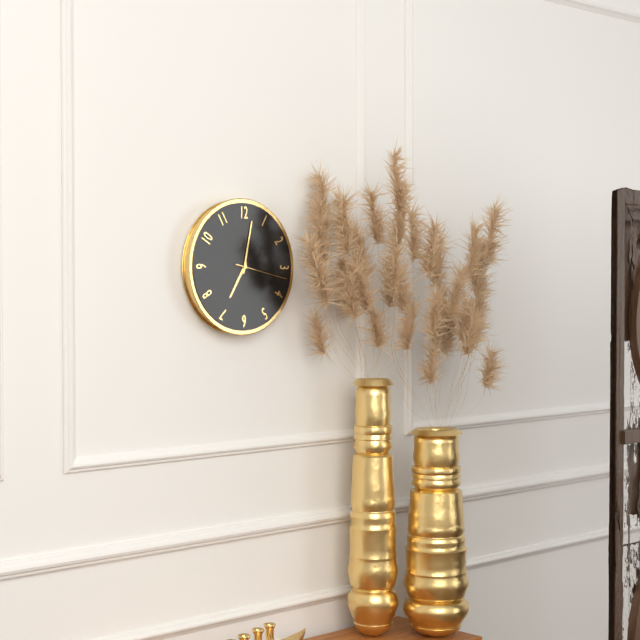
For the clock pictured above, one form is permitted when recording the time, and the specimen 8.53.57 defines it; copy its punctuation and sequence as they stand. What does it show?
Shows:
7.02.17
